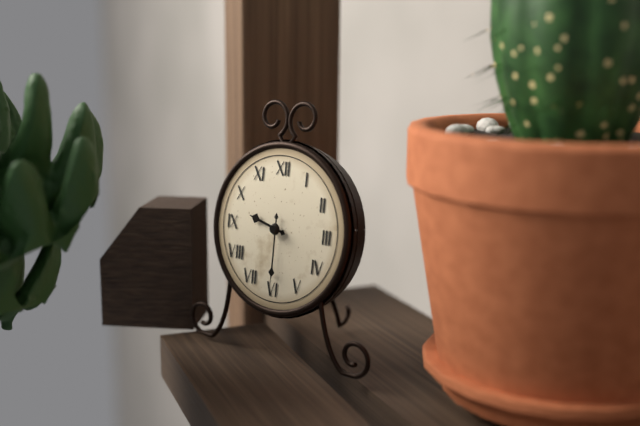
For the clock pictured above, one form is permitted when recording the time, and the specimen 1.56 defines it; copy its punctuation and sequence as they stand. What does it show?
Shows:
9.30
